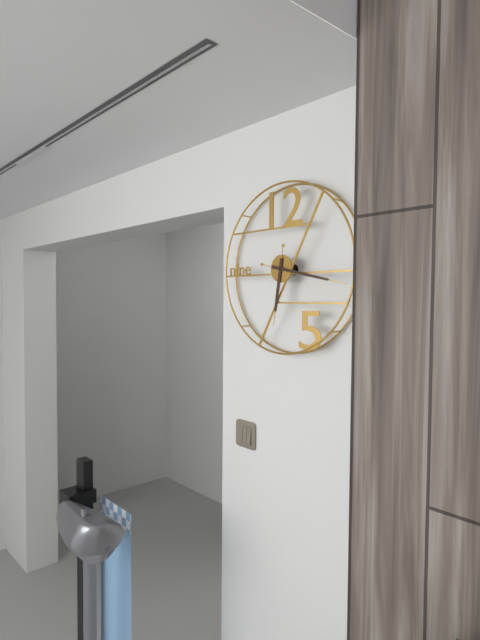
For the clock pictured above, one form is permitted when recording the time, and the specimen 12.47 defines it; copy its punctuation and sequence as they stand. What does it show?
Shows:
6.17
